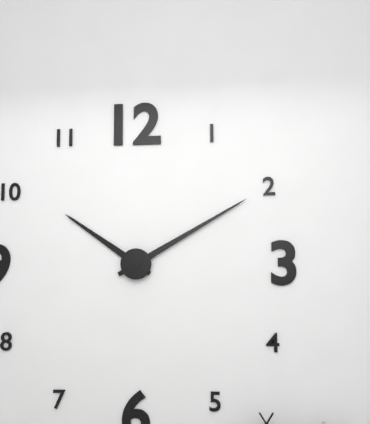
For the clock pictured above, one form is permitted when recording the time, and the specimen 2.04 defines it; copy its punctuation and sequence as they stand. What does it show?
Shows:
10.10
